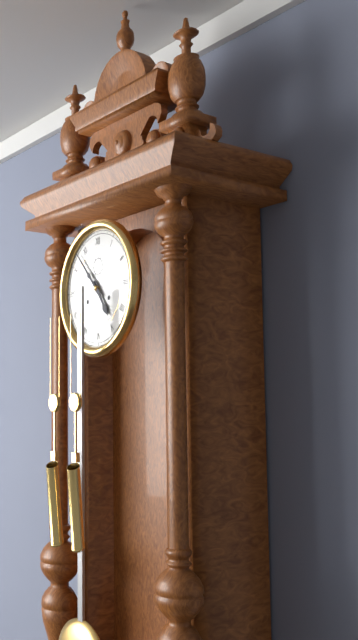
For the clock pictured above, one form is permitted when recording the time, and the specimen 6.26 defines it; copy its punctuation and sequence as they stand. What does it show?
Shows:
4.53
